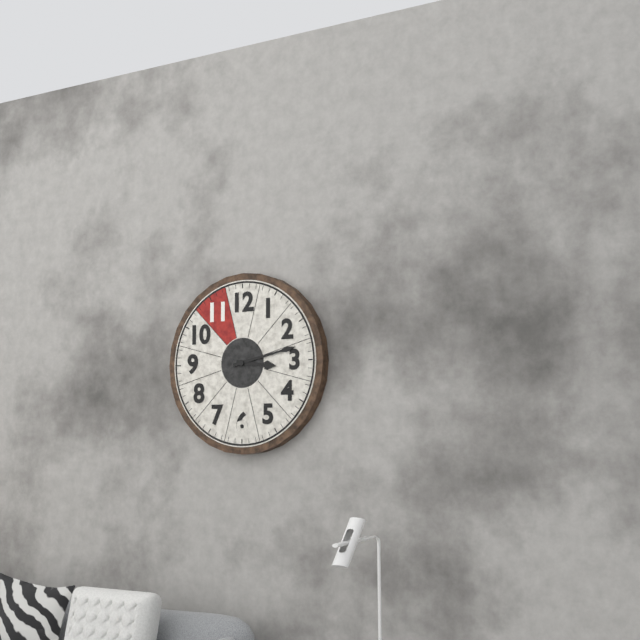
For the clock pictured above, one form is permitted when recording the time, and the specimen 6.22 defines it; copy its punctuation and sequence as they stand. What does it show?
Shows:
3.13
